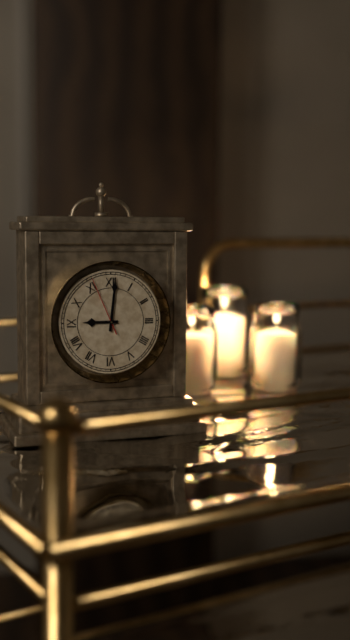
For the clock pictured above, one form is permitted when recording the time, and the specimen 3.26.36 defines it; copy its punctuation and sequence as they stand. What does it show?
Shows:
9.01.56
